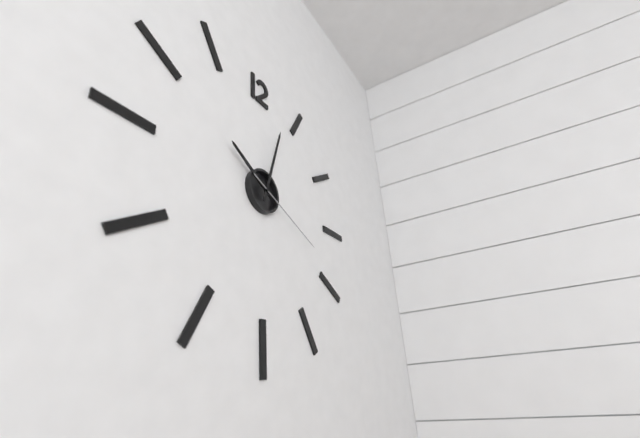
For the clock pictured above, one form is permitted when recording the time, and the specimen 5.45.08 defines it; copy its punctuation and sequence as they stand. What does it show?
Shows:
10.03.19
